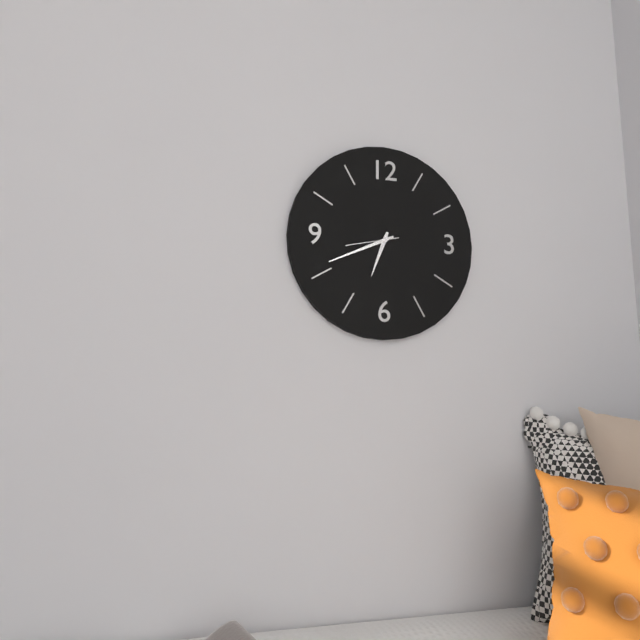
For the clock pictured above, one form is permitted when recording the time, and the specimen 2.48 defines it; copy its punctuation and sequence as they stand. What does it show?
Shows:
6.41
